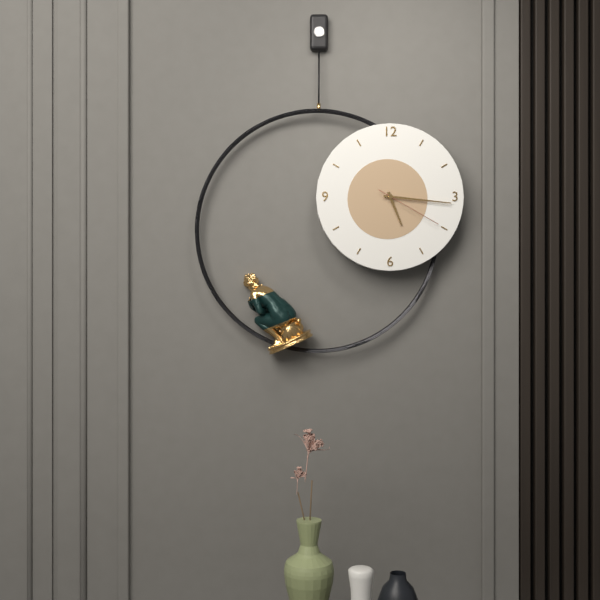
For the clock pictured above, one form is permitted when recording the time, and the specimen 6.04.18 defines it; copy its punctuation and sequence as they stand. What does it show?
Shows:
5.16.20
